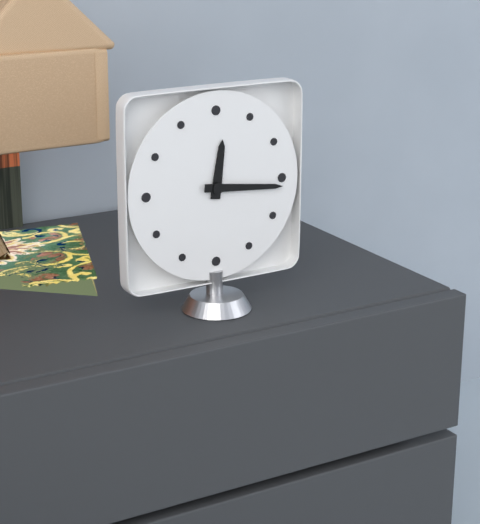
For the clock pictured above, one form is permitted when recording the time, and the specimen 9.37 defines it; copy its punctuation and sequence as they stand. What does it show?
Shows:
12.16
